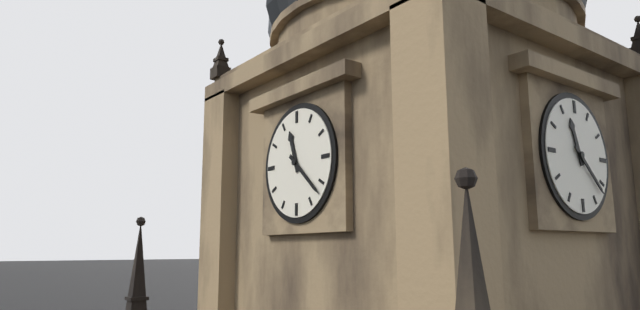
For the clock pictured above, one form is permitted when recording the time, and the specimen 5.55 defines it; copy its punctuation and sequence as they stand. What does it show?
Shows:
11.22
